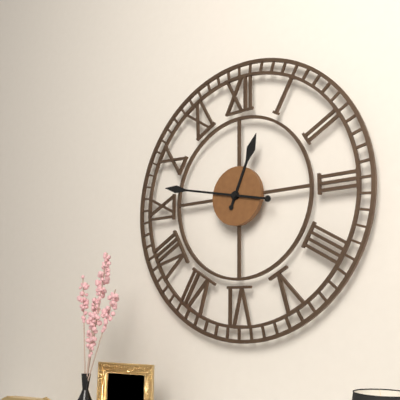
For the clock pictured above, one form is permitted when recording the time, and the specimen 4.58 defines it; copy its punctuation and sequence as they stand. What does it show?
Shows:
12.47
